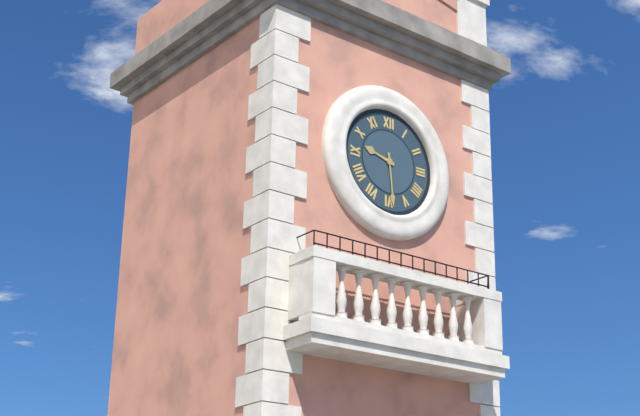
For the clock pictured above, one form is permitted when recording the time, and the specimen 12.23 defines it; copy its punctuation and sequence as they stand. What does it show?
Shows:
9.29
